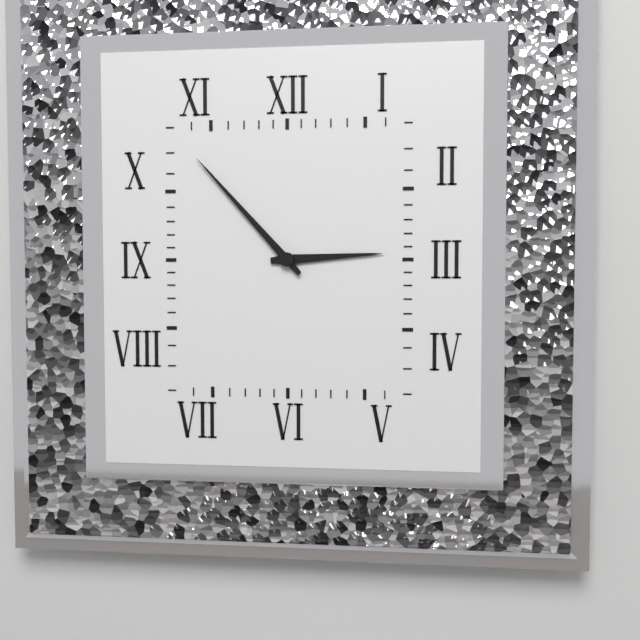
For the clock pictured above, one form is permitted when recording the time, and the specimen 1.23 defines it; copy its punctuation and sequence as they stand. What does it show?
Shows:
2.53
